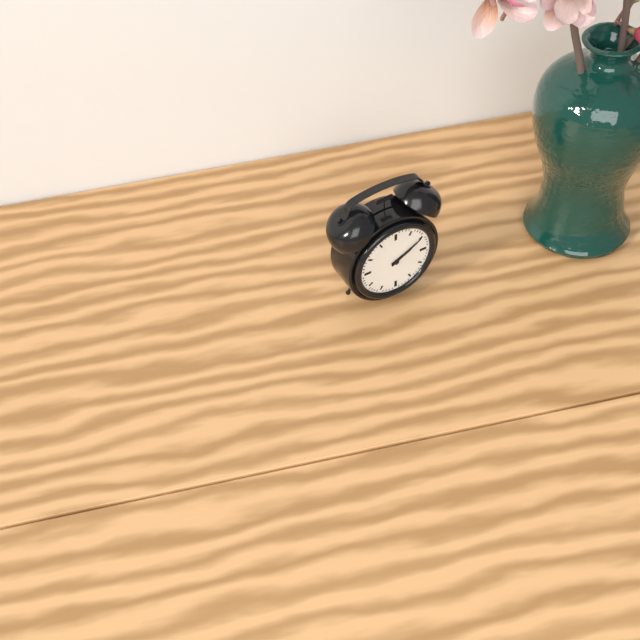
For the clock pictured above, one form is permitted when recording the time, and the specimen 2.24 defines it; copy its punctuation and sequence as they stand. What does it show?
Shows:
2.10
